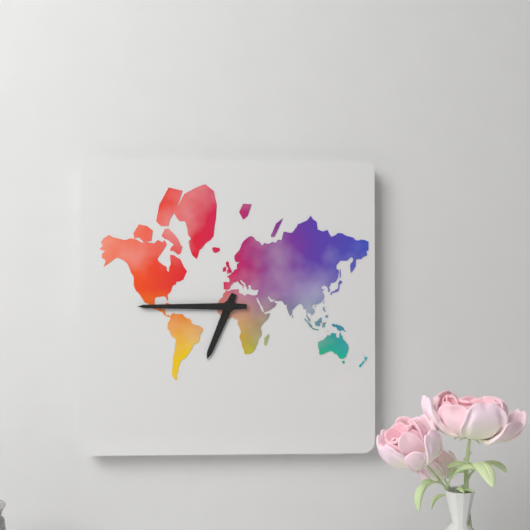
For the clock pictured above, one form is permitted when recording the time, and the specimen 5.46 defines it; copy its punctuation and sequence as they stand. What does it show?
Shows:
6.45
